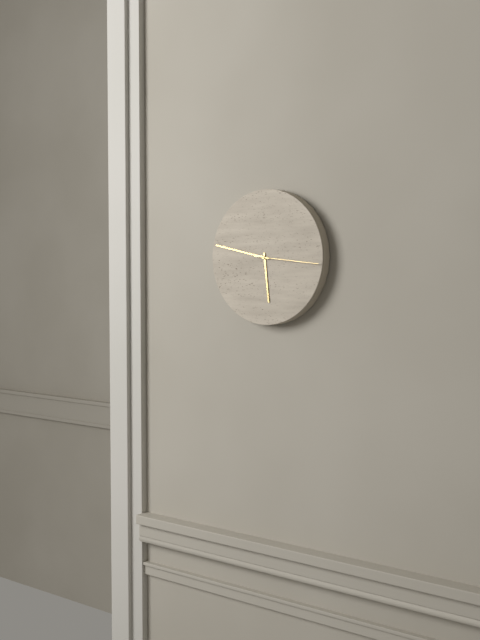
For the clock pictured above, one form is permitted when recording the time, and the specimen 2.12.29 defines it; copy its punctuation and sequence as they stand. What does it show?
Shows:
5.47.16
